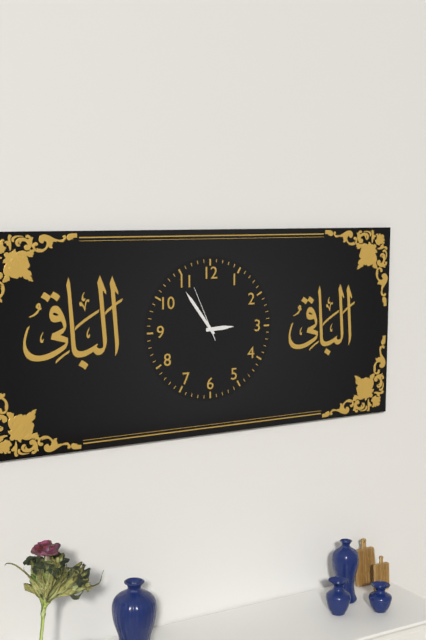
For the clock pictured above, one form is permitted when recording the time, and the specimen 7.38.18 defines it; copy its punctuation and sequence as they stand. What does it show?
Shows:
2.54.56
